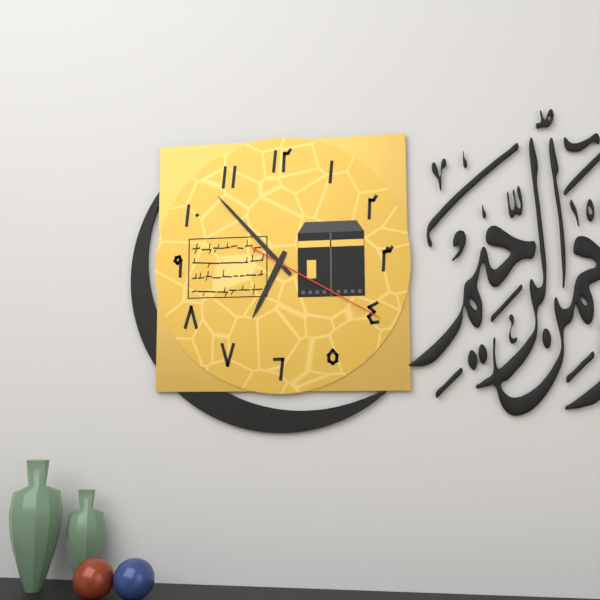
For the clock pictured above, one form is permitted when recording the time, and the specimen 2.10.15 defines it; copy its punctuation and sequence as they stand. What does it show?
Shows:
6.53.20
